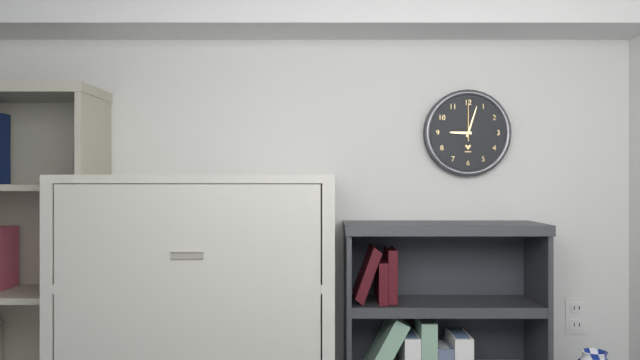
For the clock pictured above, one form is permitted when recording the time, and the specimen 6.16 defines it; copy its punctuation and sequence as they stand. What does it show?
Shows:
9.03
